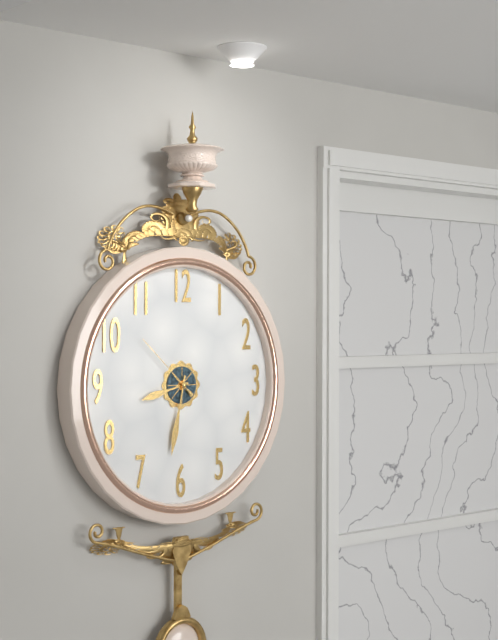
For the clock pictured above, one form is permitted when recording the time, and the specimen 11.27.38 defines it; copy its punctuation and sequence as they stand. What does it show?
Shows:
8.32.52
